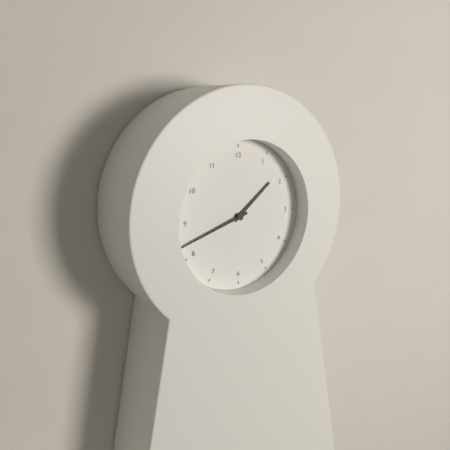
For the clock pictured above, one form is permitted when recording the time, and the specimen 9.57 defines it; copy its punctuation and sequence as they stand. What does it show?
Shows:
1.42
